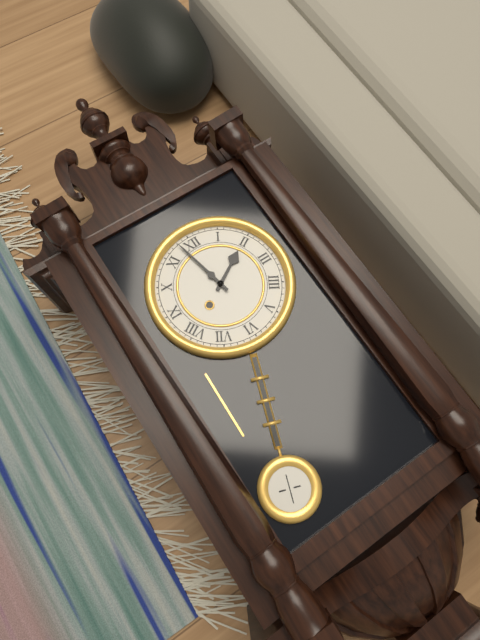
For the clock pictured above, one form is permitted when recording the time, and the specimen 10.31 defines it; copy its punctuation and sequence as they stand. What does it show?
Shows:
1.58
